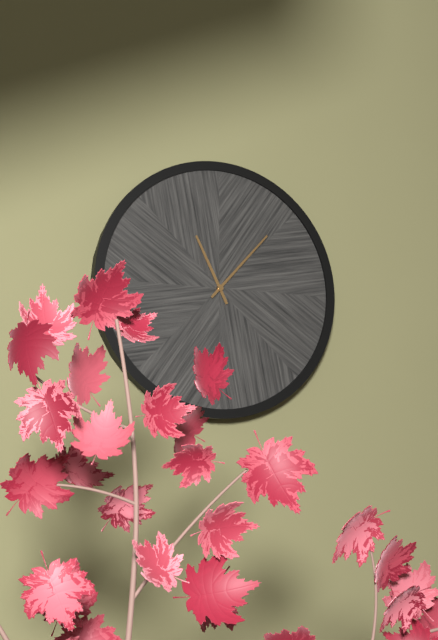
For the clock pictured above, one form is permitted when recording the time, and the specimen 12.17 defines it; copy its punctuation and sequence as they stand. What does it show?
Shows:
11.07
